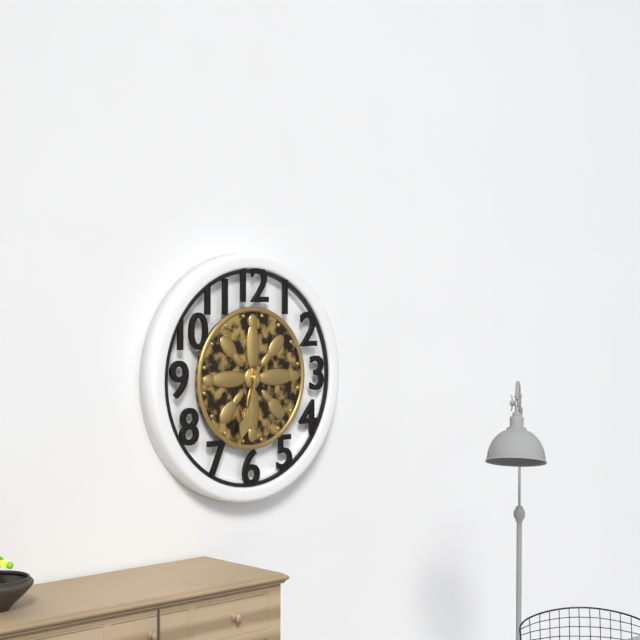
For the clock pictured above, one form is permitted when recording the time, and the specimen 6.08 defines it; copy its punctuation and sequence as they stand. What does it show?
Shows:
6.33
